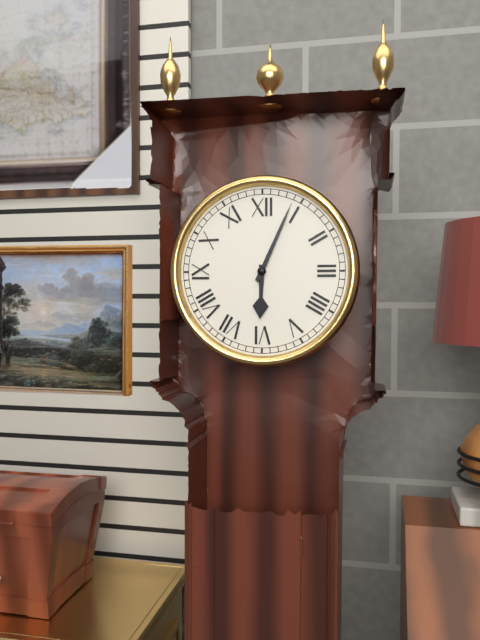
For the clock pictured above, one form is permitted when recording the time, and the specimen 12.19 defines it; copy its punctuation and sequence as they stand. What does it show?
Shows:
6.04
